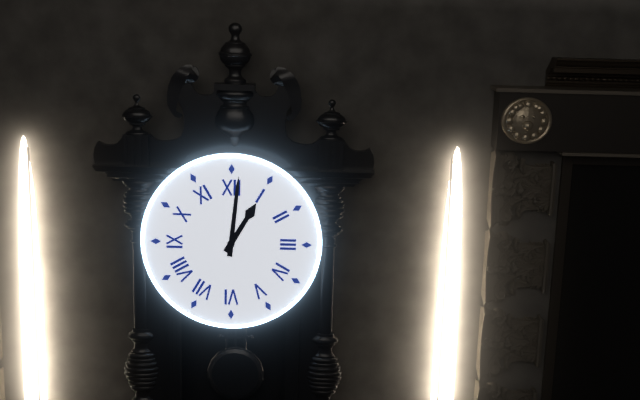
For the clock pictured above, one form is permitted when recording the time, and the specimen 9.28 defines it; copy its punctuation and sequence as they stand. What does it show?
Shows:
1.01
